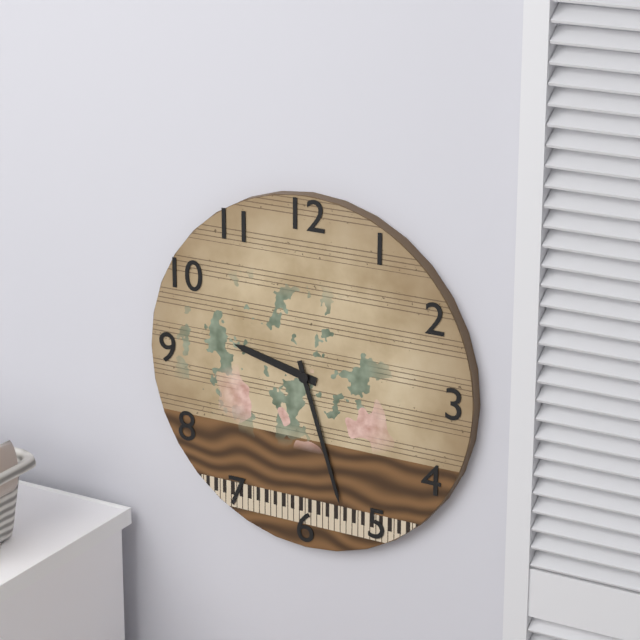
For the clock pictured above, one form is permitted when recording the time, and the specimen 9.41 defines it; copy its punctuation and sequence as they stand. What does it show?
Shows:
9.27
